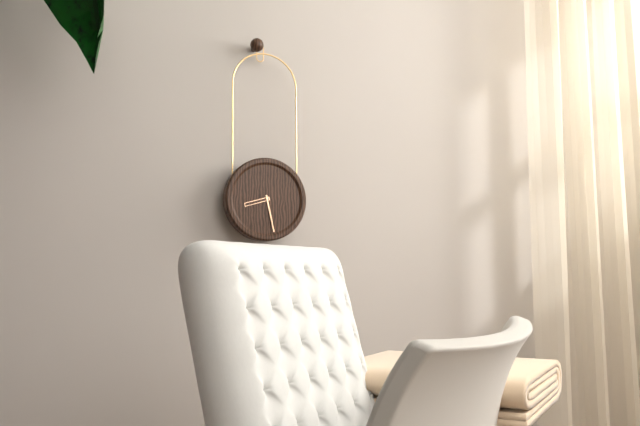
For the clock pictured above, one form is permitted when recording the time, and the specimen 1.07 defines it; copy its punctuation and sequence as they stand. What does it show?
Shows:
8.28
